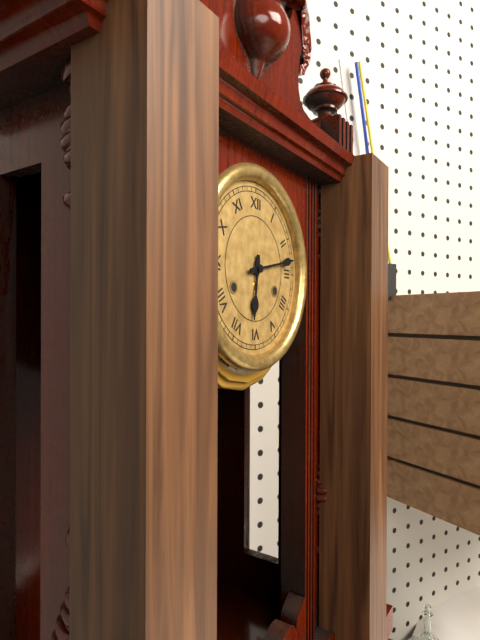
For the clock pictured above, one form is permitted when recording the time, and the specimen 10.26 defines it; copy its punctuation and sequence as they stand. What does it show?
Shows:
6.13
